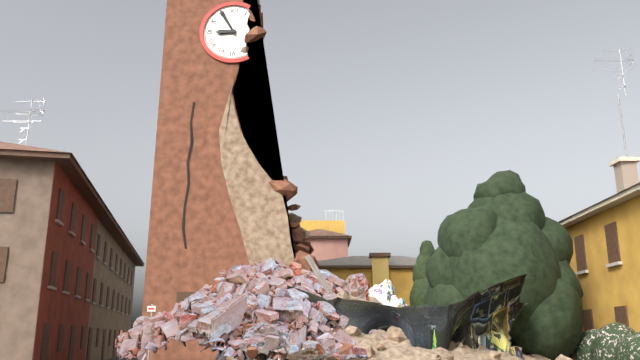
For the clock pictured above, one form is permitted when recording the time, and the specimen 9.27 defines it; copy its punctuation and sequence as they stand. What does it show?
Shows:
8.55
